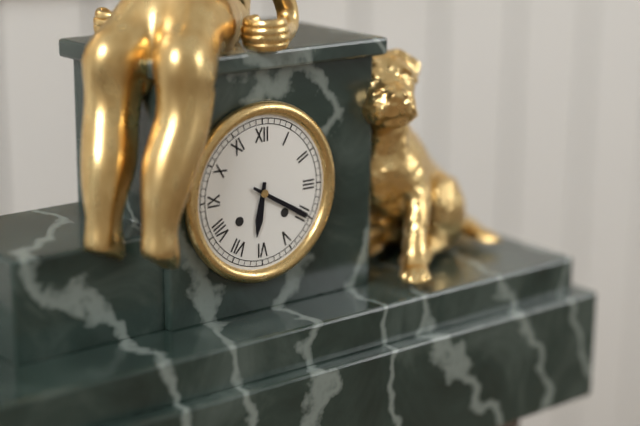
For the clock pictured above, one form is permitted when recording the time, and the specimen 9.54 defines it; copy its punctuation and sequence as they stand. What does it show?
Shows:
6.20
